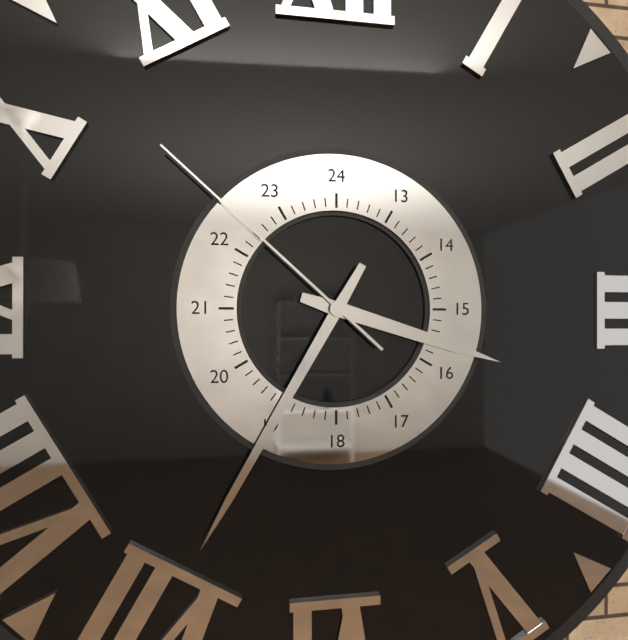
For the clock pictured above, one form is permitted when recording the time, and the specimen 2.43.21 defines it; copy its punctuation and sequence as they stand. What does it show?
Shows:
3.35.52
